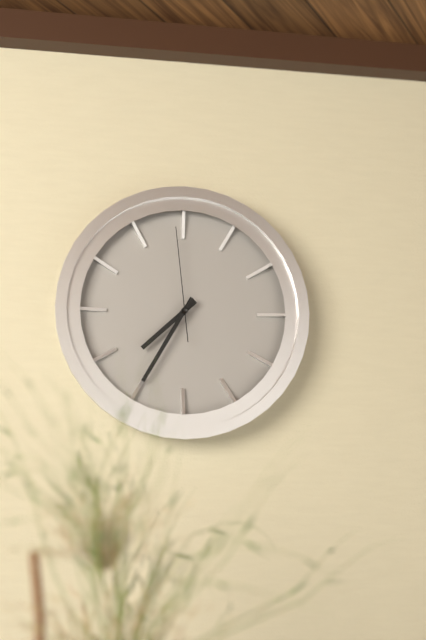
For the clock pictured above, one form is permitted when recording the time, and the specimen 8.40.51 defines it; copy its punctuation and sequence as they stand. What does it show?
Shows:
7.35.59
